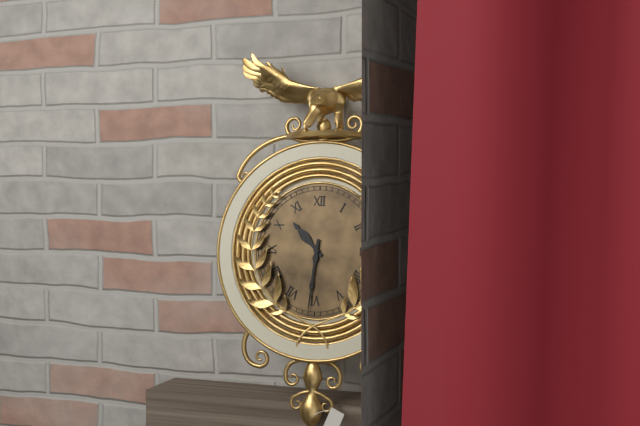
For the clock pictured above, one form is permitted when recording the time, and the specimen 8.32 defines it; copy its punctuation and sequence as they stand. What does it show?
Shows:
10.31
